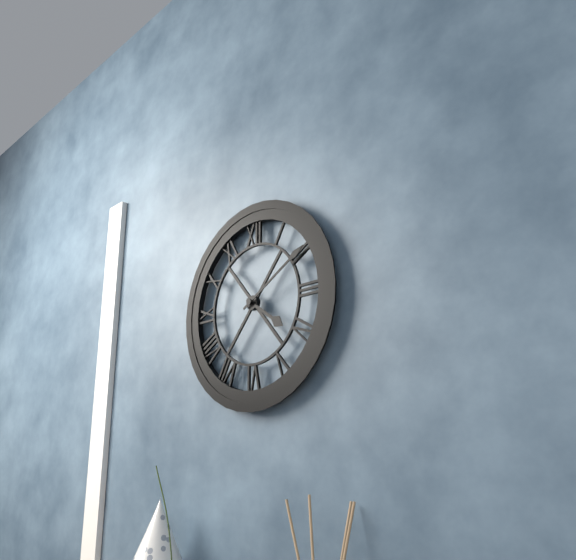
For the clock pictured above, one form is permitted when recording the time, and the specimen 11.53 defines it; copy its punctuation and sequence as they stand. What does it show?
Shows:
4.10
